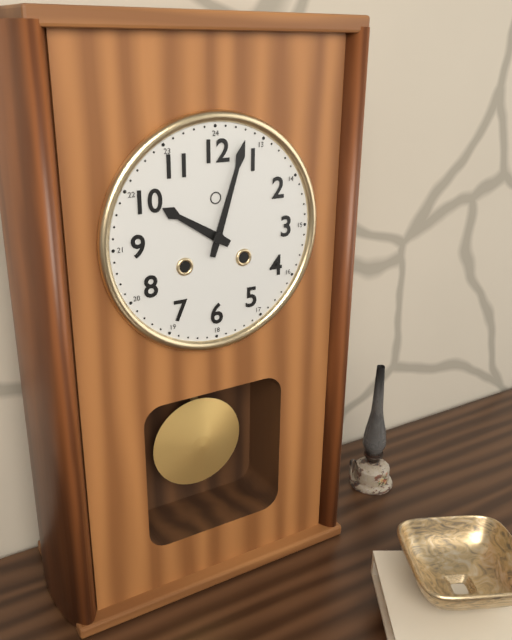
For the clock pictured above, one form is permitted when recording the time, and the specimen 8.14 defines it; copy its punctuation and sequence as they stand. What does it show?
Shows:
10.03
